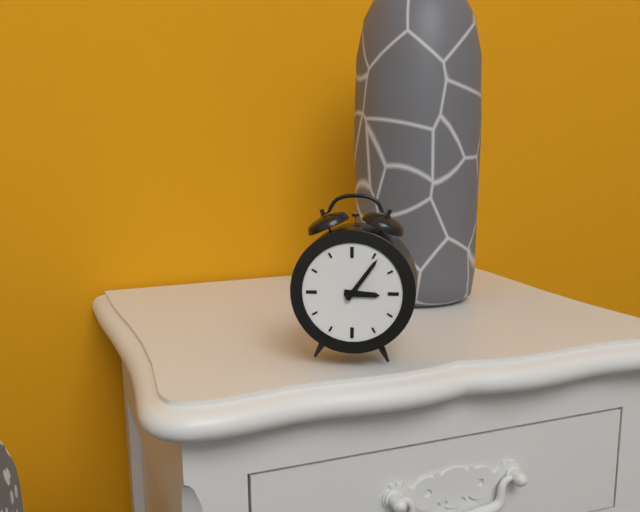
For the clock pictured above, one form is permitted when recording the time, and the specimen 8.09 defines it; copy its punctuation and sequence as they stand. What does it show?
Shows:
3.06
